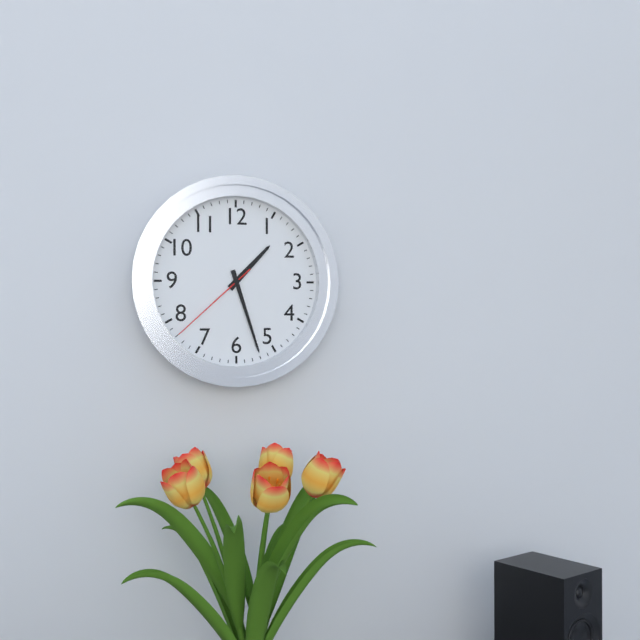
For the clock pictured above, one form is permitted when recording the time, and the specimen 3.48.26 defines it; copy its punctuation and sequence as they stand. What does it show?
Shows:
1.27.38
